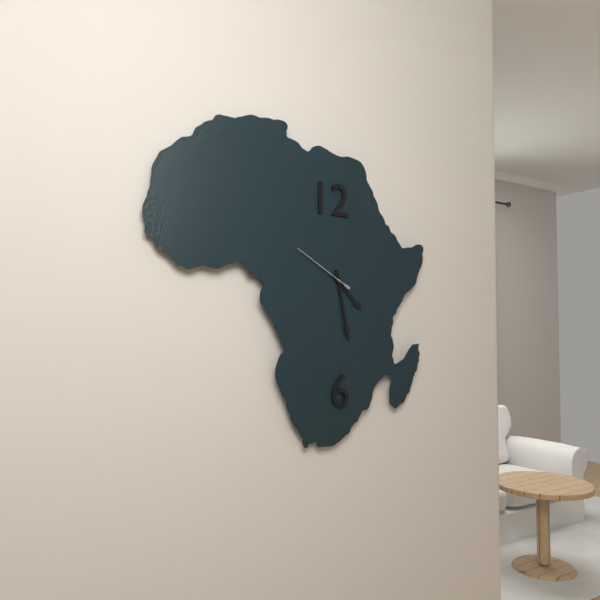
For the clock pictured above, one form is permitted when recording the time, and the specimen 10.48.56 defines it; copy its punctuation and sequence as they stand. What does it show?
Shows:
4.28.50
